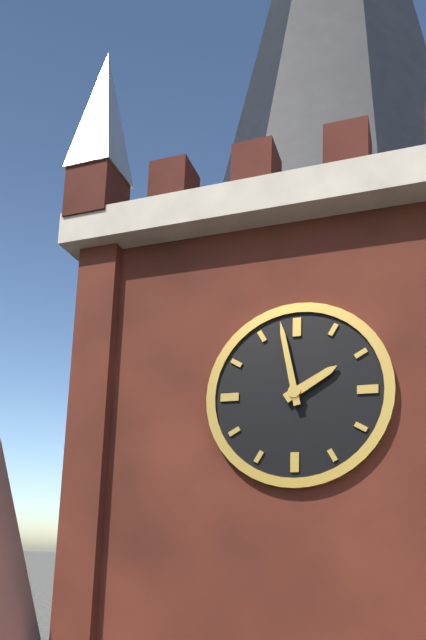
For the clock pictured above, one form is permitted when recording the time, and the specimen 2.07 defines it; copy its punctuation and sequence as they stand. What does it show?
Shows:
1.58
